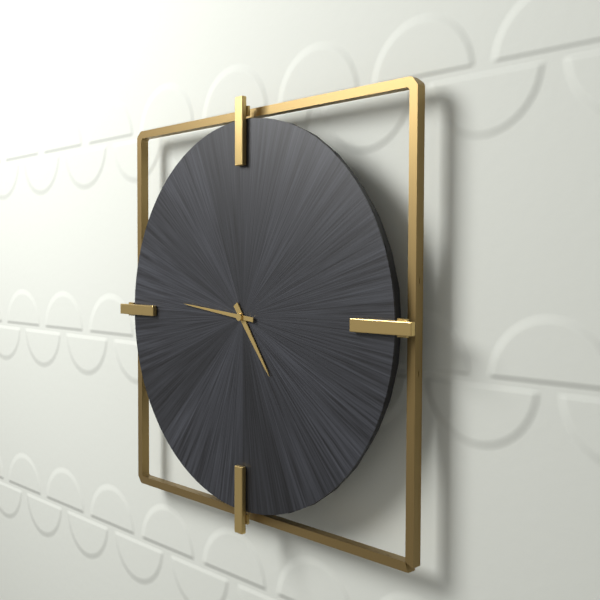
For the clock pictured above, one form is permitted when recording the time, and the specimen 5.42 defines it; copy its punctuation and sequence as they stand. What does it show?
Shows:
4.46
